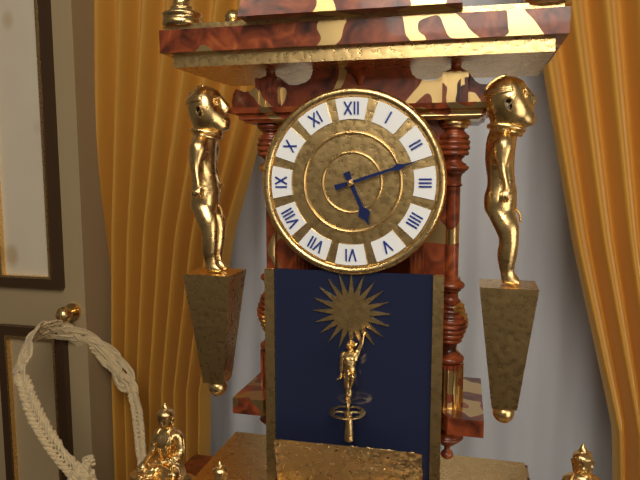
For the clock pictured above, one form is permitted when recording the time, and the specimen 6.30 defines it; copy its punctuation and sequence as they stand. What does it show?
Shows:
5.12
